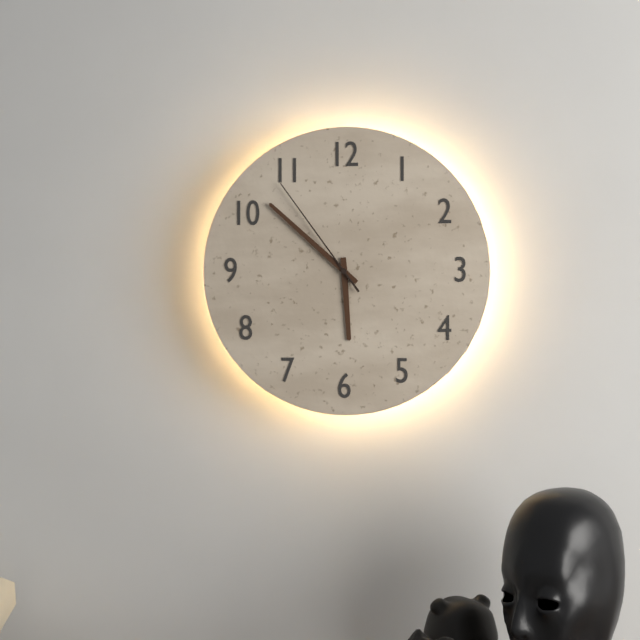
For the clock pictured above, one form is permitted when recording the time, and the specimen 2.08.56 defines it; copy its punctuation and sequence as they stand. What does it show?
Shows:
5.52.54
